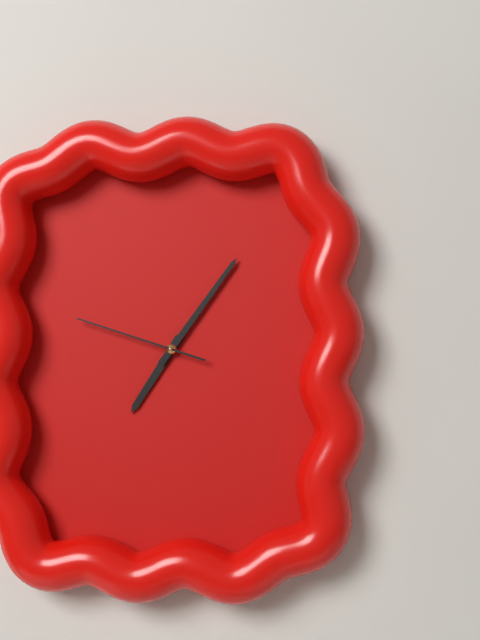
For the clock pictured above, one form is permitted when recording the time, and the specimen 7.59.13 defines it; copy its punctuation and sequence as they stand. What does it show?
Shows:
7.06.48
